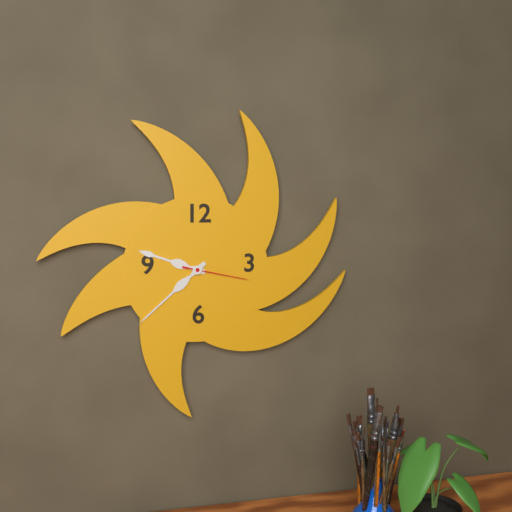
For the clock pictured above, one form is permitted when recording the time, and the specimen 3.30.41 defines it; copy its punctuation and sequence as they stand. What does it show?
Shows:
9.38.17
